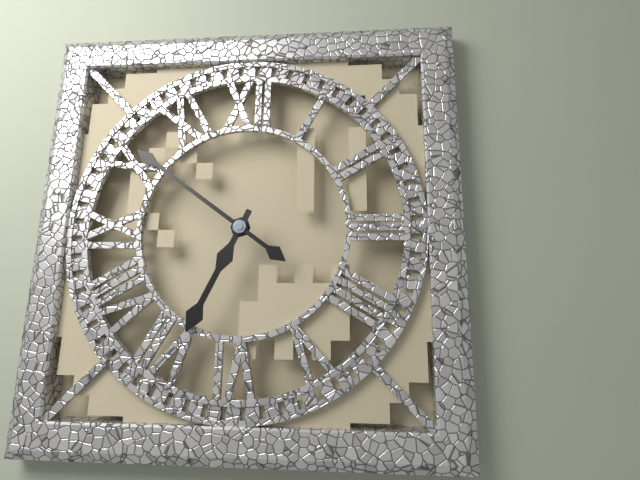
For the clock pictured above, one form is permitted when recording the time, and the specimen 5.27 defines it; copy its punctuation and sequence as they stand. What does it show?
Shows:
6.51
